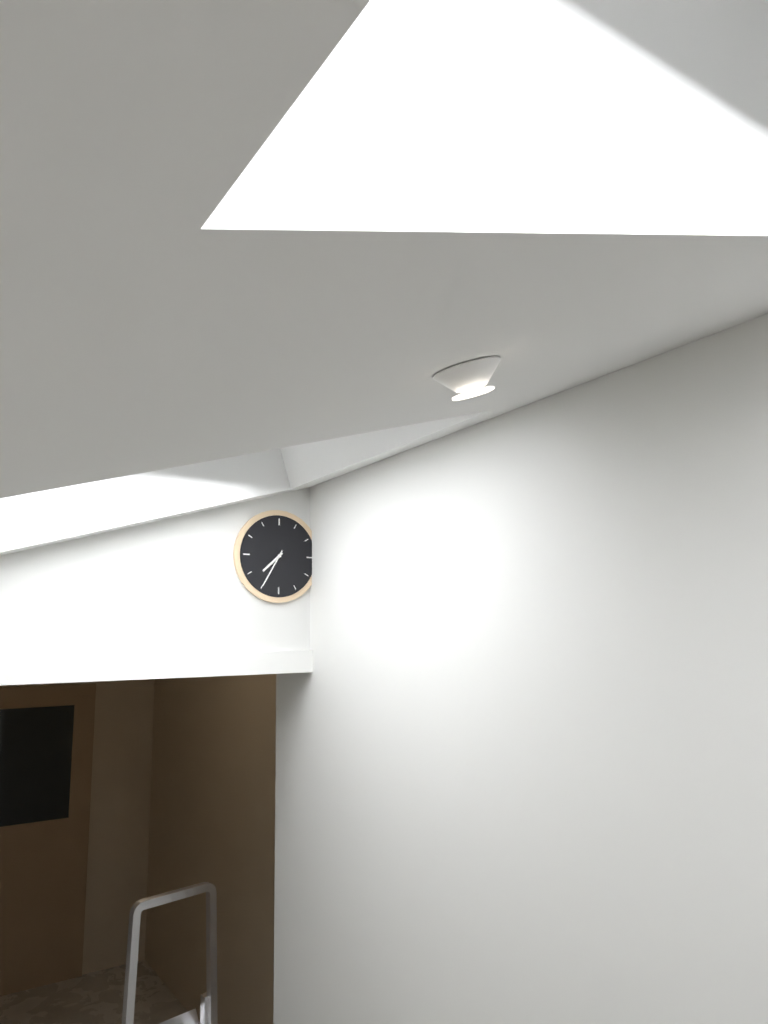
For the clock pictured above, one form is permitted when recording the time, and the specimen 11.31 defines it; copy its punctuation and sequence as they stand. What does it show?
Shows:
7.35
